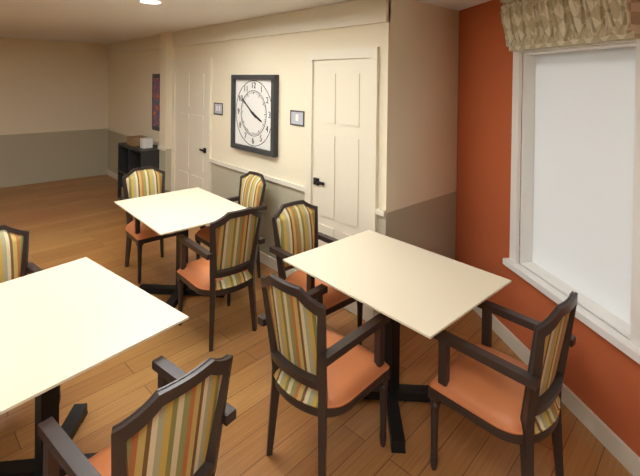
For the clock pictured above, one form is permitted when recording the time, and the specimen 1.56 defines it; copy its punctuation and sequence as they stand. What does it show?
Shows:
3.51
